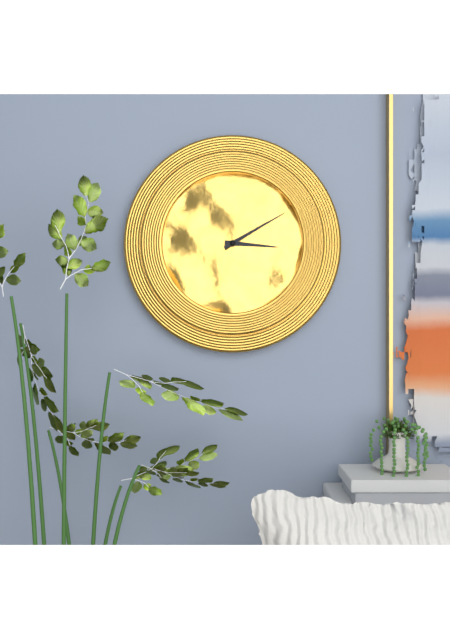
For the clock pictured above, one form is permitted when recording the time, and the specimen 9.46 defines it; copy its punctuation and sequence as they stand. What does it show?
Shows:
3.10
